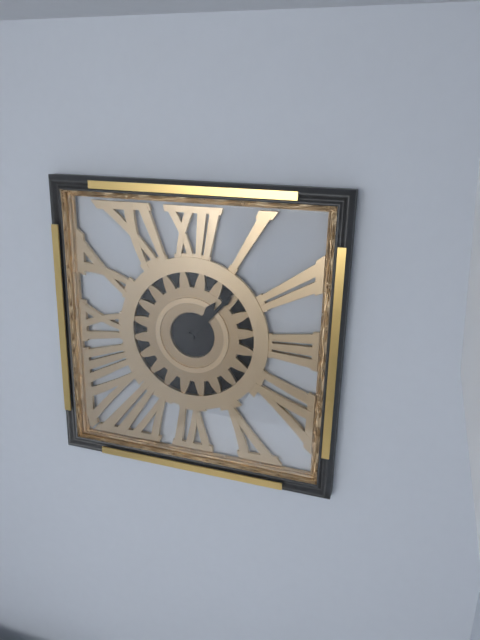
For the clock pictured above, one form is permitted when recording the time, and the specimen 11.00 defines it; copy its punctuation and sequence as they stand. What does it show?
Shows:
1.07
